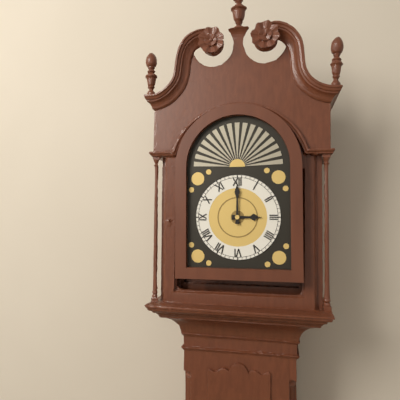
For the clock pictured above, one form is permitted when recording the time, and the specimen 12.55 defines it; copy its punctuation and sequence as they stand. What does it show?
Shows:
3.00
